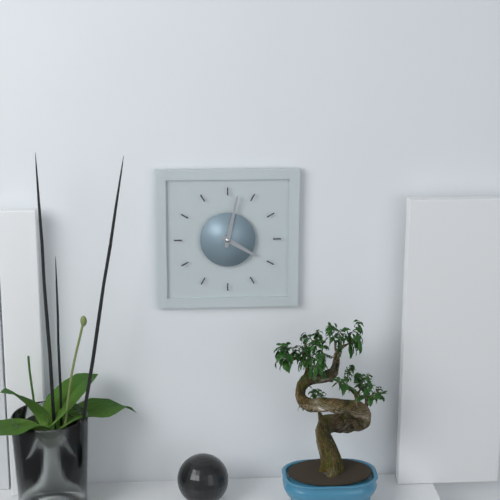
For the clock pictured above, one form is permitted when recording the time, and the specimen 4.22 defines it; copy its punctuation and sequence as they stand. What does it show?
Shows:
4.02
